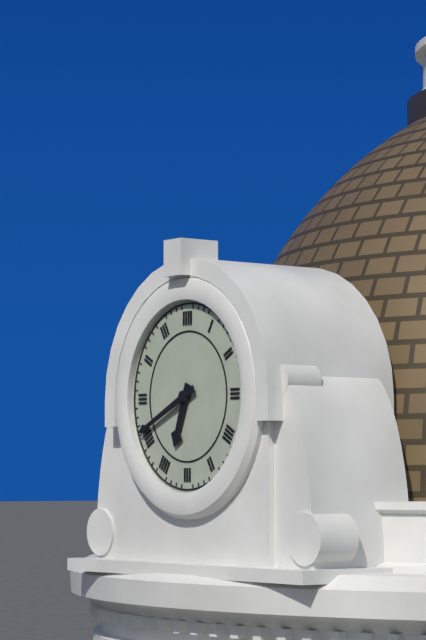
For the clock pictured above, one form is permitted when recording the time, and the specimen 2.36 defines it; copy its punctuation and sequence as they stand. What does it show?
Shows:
6.41
